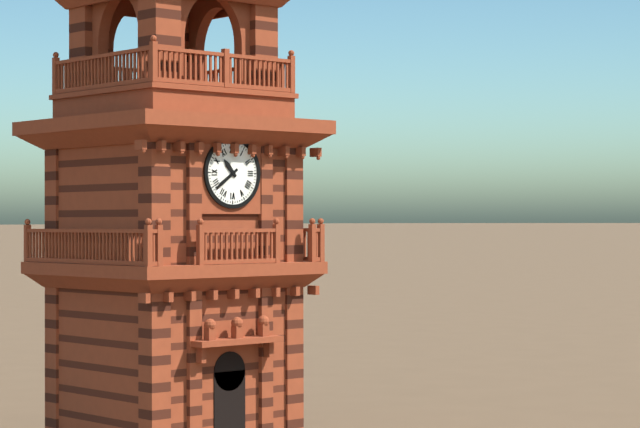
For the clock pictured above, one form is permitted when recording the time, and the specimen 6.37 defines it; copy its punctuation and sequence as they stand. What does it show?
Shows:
10.39
